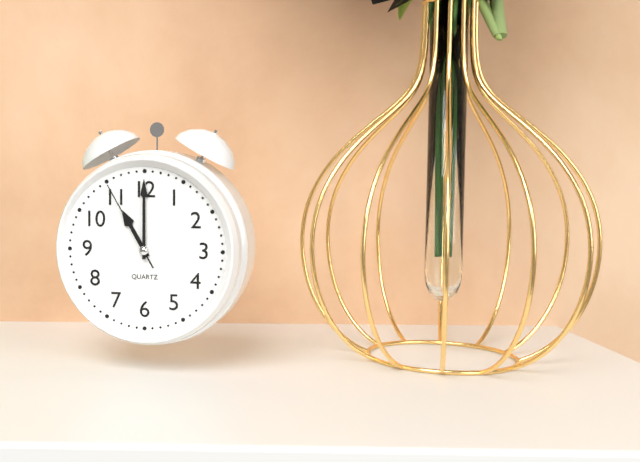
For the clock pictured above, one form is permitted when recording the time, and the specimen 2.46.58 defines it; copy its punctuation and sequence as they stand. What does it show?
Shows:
11.00.55
